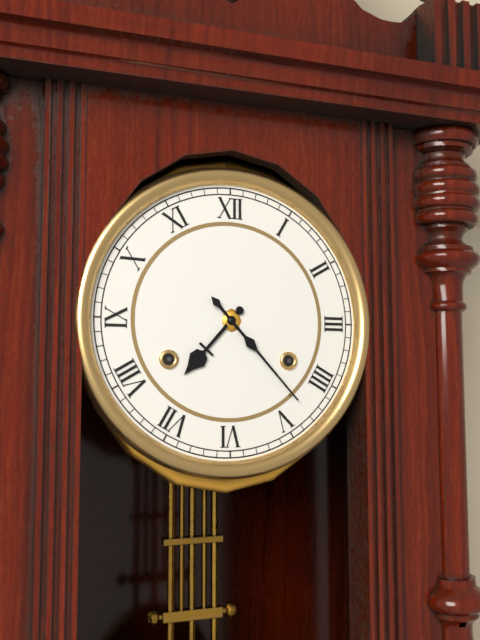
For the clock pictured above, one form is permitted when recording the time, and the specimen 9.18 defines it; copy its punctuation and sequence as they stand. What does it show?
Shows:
7.23
